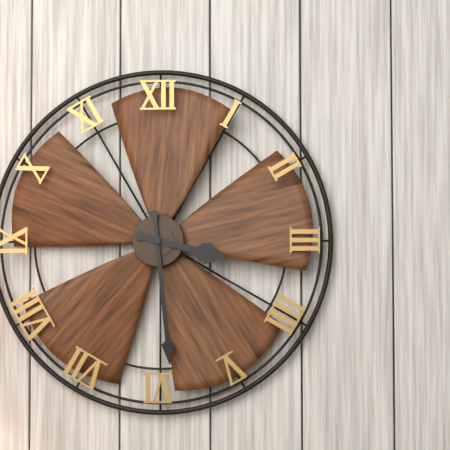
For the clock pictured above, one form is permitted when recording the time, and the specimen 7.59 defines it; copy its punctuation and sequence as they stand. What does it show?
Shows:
3.29
